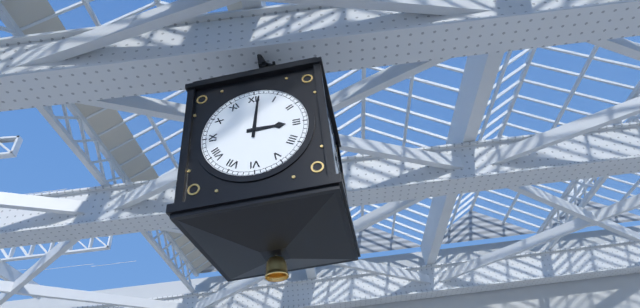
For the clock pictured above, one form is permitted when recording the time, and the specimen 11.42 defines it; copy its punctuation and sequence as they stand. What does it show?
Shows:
3.01
